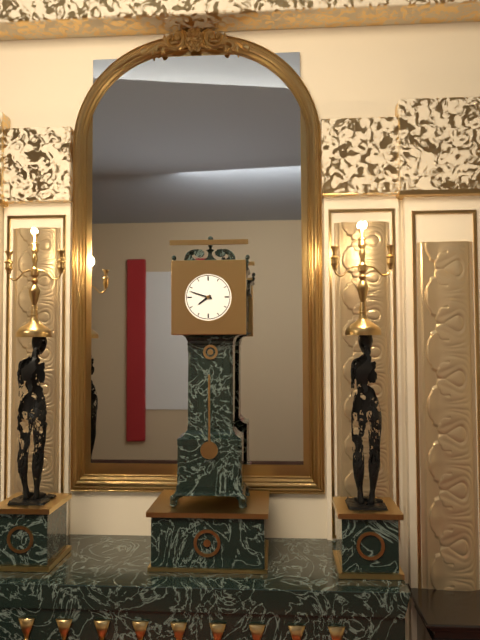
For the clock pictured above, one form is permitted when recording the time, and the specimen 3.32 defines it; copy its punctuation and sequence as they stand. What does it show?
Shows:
7.48
